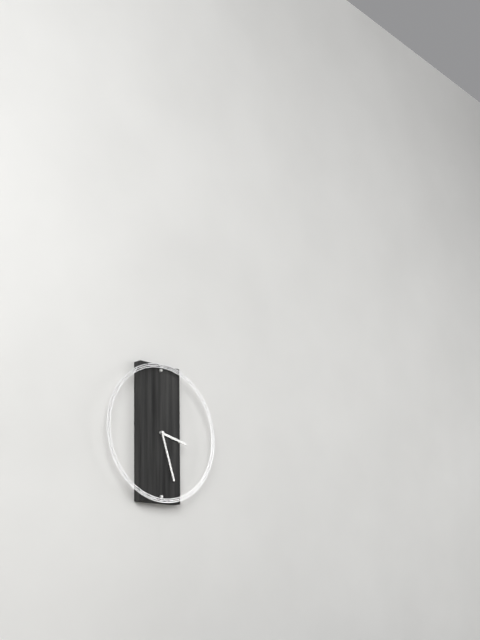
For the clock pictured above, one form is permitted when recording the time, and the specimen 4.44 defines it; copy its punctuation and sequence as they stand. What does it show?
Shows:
3.27
